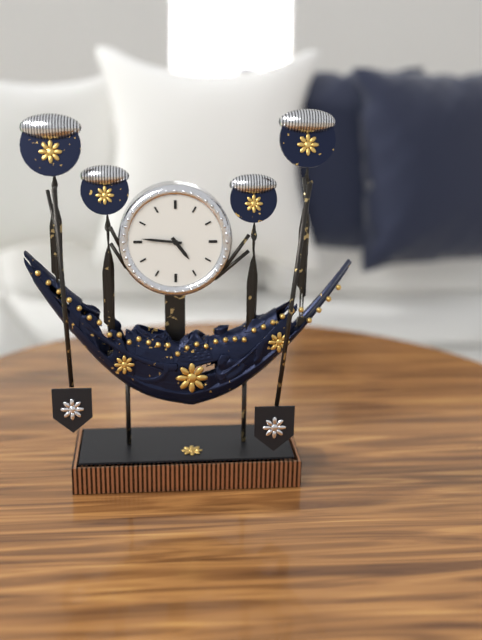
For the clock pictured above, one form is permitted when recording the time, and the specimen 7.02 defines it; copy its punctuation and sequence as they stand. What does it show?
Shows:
4.46
